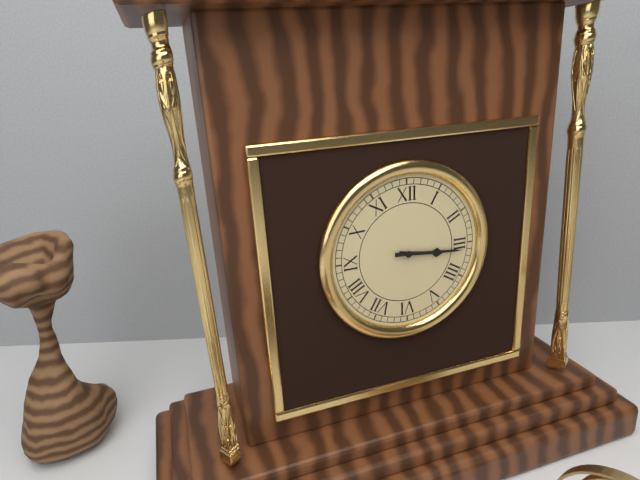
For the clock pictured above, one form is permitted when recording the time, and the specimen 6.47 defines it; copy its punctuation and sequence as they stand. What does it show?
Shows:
3.16
